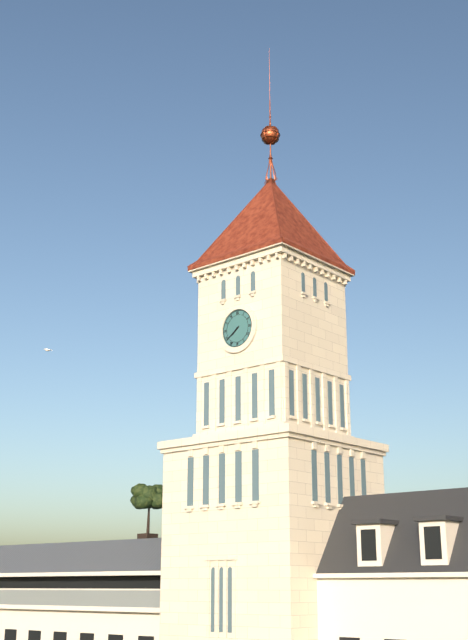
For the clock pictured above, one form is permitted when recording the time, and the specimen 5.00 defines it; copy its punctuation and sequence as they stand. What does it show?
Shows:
7.39
